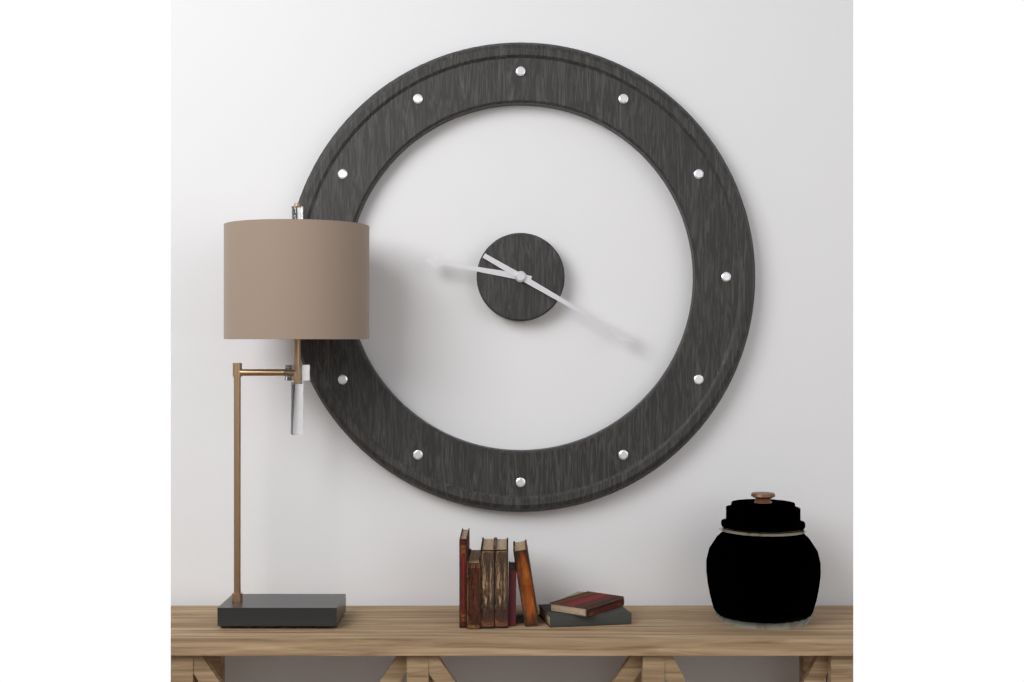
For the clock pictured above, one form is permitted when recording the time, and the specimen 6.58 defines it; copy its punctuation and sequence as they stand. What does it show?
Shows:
9.20
